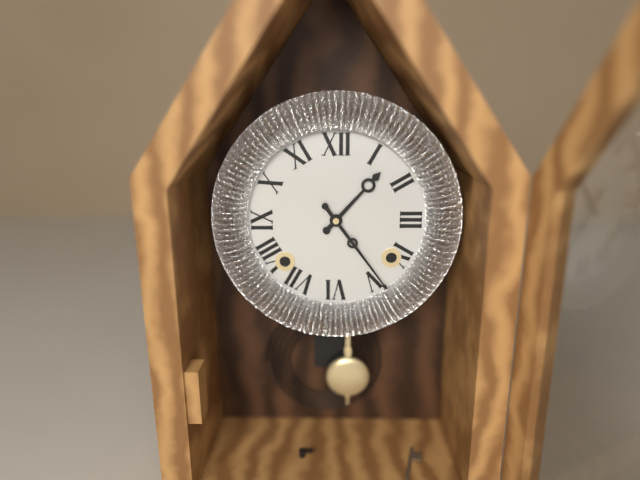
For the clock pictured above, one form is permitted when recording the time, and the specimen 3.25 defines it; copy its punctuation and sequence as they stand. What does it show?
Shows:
1.24
